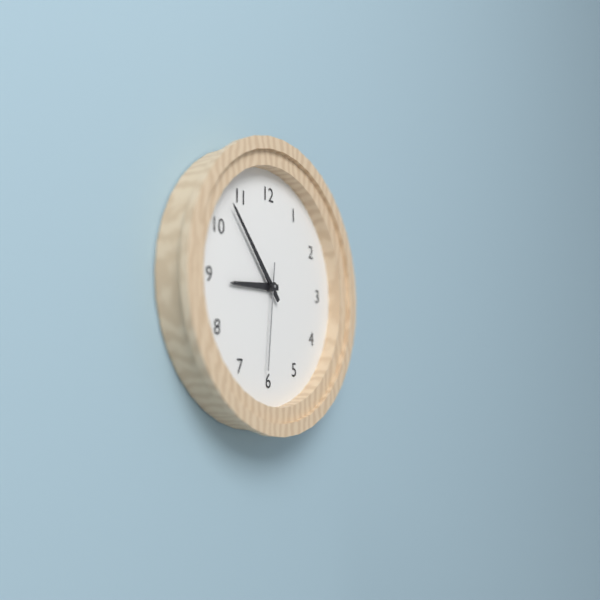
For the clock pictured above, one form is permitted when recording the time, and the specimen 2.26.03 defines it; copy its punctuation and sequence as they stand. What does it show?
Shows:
8.53.31
